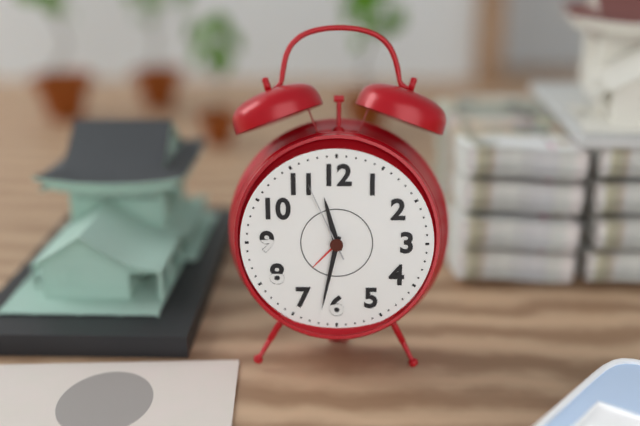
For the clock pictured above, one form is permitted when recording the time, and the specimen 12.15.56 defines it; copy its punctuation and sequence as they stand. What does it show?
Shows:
11.32.56
